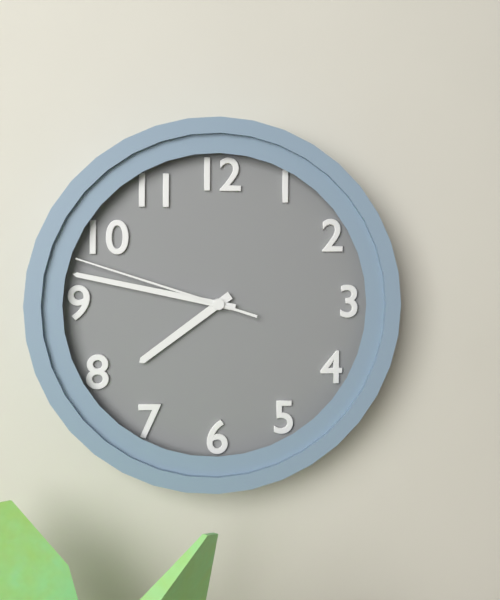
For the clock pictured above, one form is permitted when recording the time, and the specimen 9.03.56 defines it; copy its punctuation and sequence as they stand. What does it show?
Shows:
7.47.48
